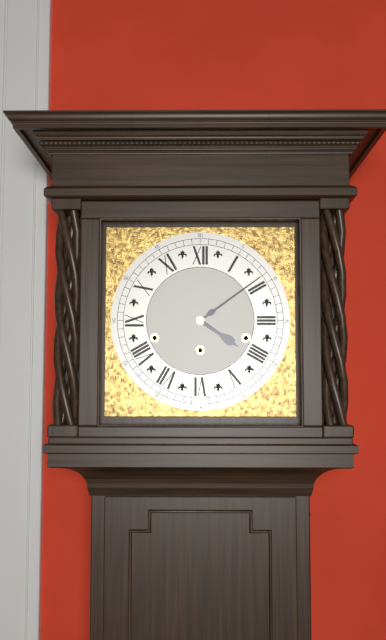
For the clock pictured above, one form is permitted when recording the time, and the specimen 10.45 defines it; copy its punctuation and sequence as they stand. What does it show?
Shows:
4.09
